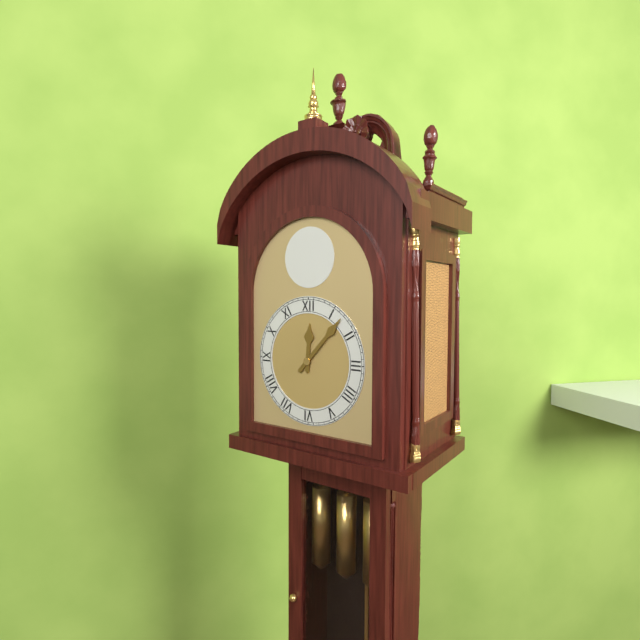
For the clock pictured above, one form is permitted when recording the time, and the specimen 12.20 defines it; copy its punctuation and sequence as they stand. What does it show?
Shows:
12.07
